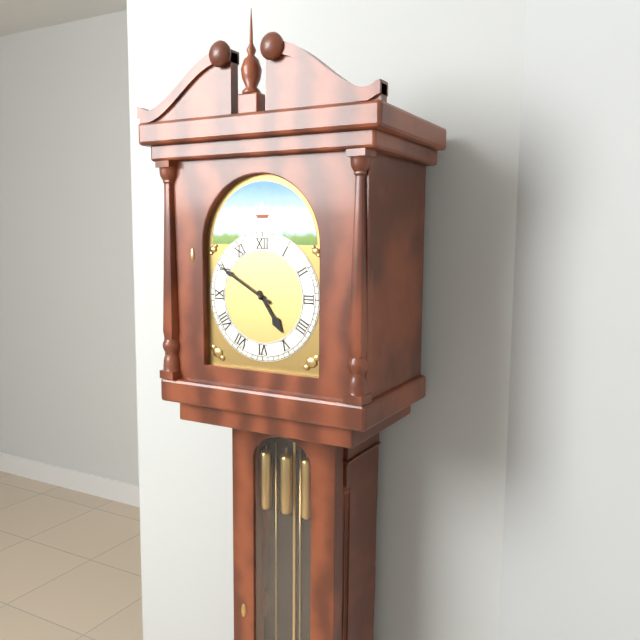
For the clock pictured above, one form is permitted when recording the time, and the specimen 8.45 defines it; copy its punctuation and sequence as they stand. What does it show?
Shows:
4.50
